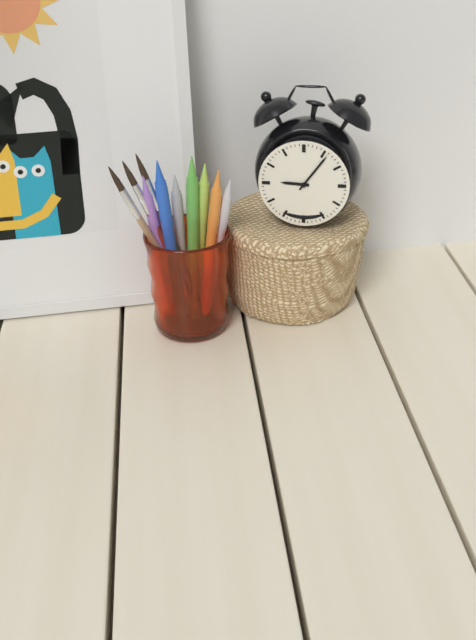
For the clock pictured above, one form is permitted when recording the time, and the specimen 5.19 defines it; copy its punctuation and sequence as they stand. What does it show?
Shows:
9.06
